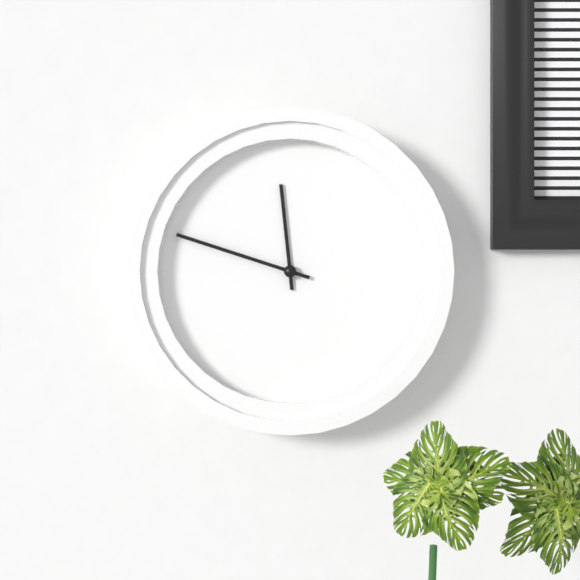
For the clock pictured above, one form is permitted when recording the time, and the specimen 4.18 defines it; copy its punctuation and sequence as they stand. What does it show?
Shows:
11.48
